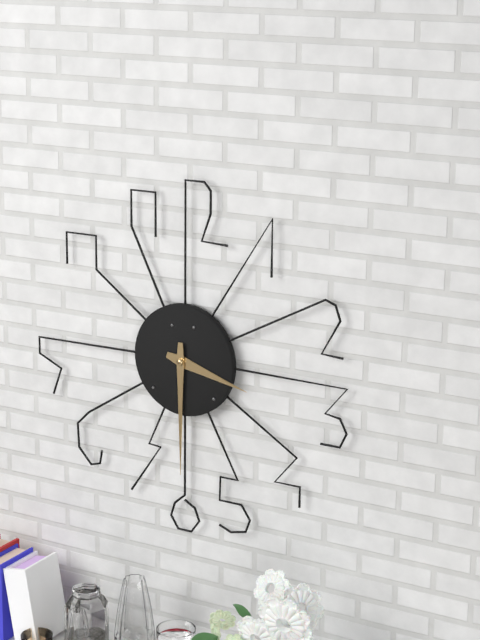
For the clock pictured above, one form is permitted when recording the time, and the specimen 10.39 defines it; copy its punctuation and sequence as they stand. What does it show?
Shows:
3.30
